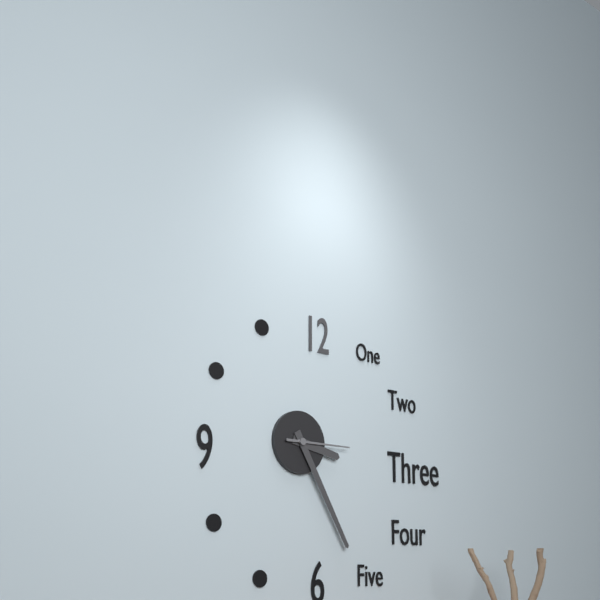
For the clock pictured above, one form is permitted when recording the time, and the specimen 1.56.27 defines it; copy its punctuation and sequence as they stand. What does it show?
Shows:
3.25.15
